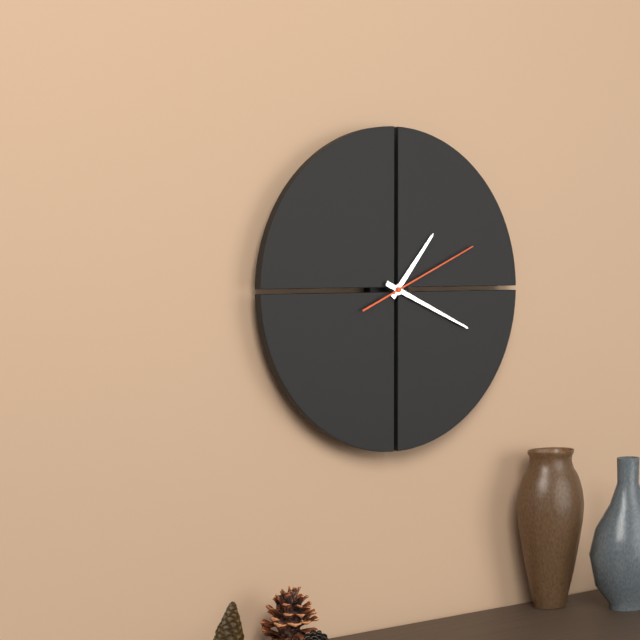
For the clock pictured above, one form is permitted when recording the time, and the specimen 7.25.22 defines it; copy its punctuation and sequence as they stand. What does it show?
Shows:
1.19.11
